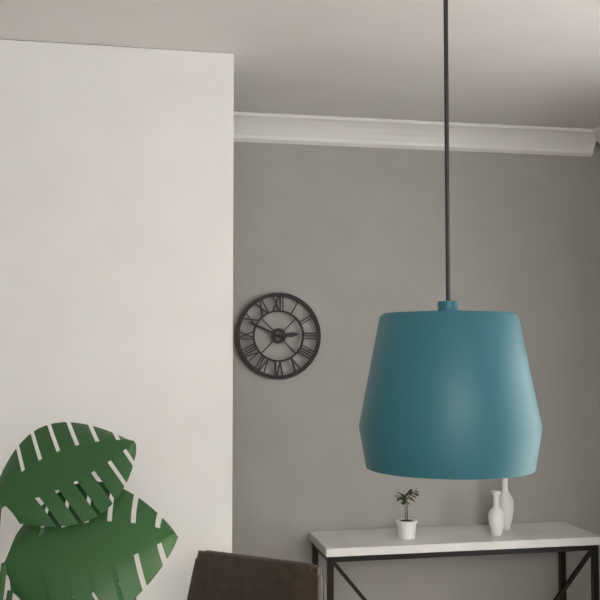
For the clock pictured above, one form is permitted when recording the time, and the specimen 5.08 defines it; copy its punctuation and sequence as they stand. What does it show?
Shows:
2.49
